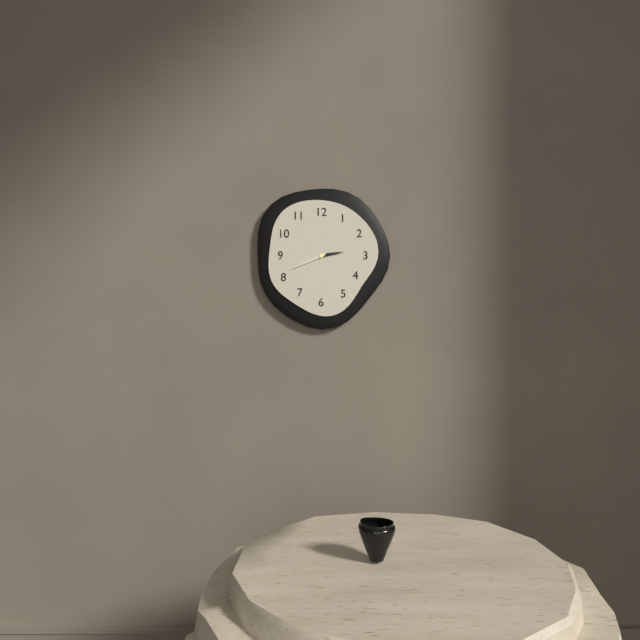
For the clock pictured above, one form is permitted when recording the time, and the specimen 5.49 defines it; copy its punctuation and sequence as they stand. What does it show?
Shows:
2.41
